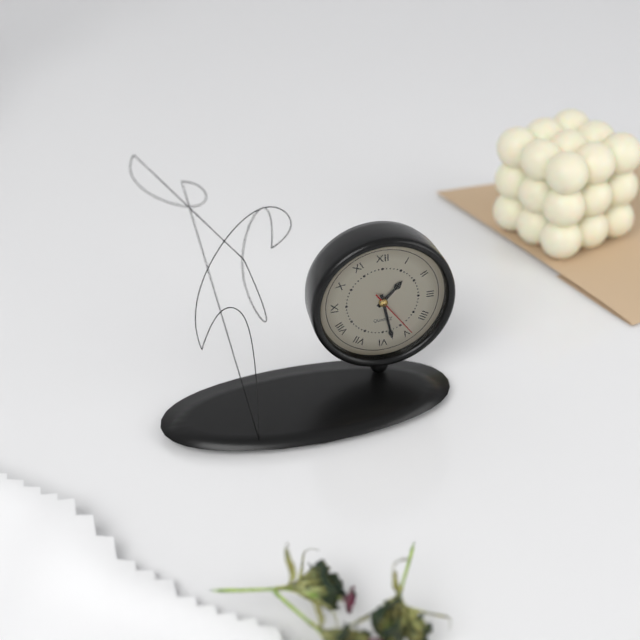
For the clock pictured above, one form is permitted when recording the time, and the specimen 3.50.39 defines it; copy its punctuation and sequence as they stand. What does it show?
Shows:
1.28.24
